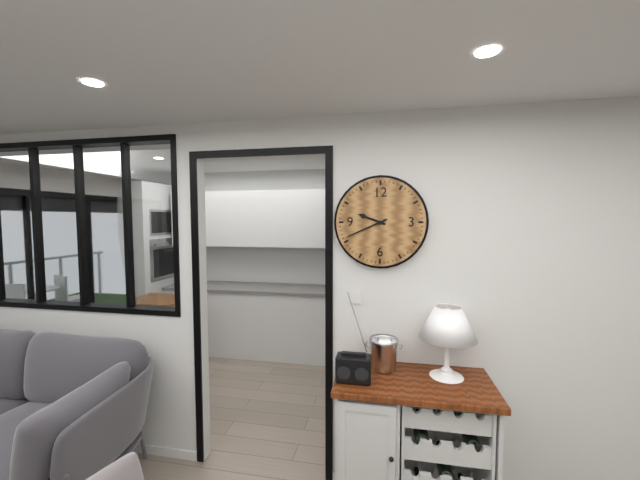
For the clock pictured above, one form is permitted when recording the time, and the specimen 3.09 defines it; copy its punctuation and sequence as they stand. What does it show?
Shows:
9.41
